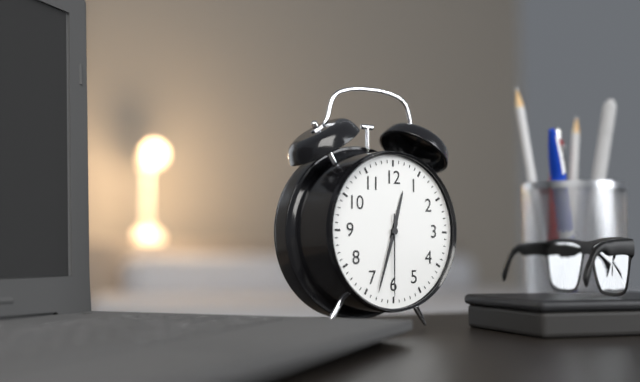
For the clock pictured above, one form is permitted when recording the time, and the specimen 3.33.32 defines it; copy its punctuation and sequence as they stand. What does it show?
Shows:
12.33.30
